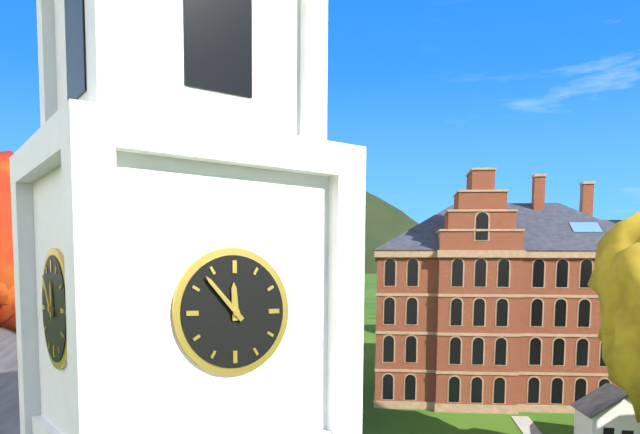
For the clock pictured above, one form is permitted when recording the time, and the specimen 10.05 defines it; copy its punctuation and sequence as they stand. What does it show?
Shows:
11.53
